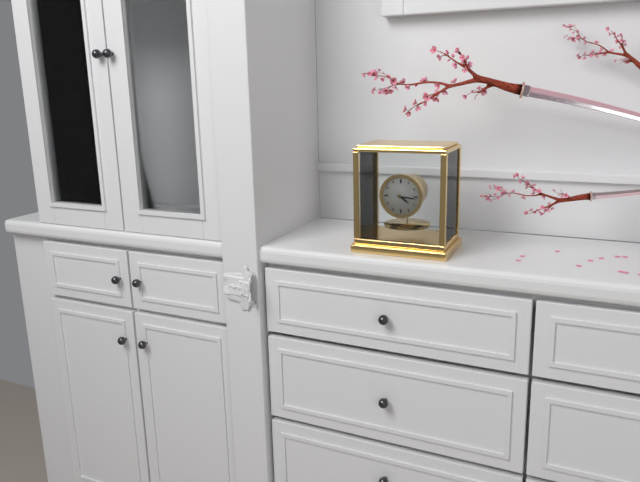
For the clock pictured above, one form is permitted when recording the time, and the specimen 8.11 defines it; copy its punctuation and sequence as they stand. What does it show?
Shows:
4.16
